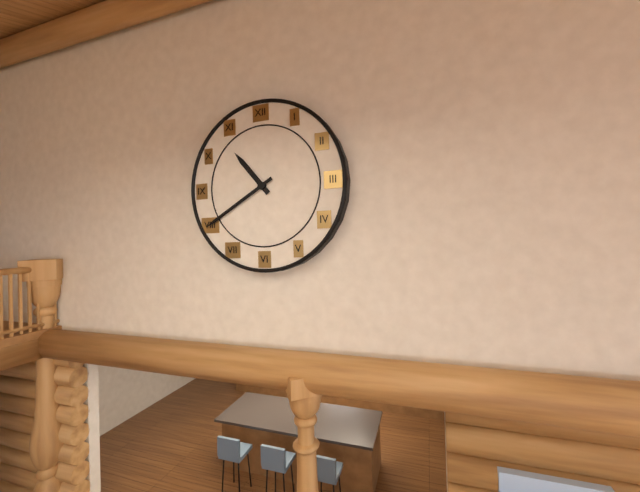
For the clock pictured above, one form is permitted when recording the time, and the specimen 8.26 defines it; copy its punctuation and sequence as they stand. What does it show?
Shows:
10.40
